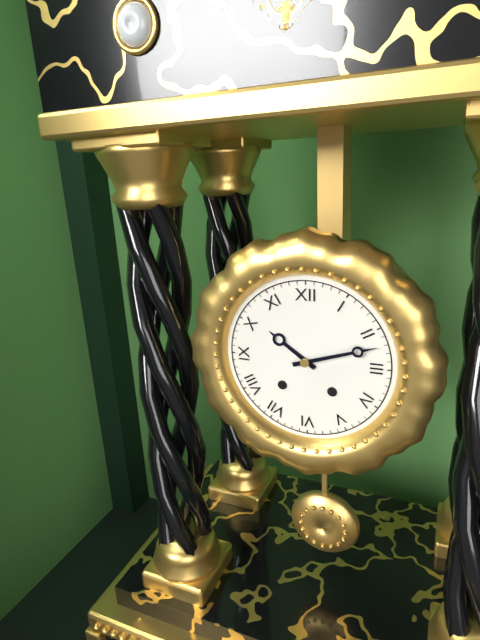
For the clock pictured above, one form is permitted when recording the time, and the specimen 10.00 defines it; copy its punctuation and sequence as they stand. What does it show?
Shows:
10.12
